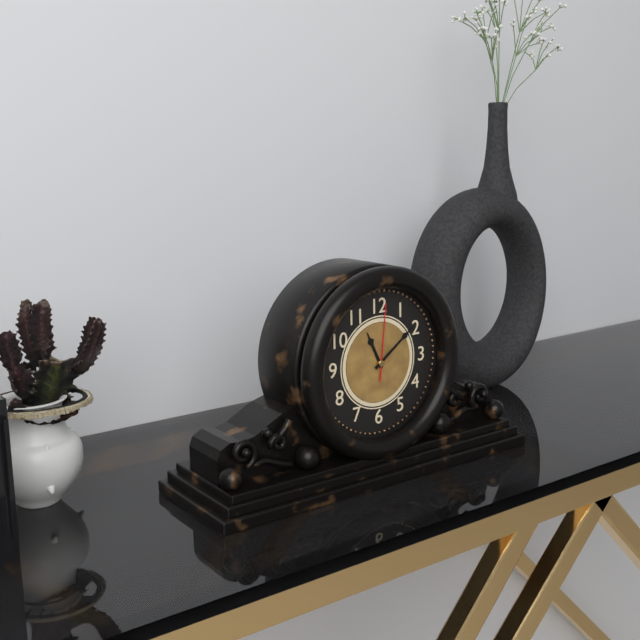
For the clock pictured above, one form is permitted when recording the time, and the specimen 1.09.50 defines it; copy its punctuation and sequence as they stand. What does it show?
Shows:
11.09.01
